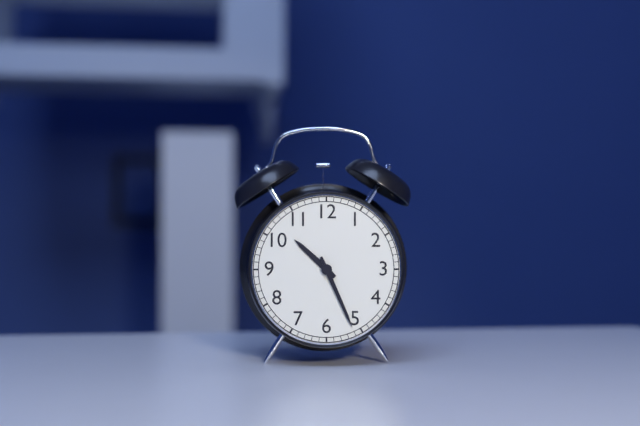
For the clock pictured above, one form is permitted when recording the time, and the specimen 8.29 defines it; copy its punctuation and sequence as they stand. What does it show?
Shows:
10.26
